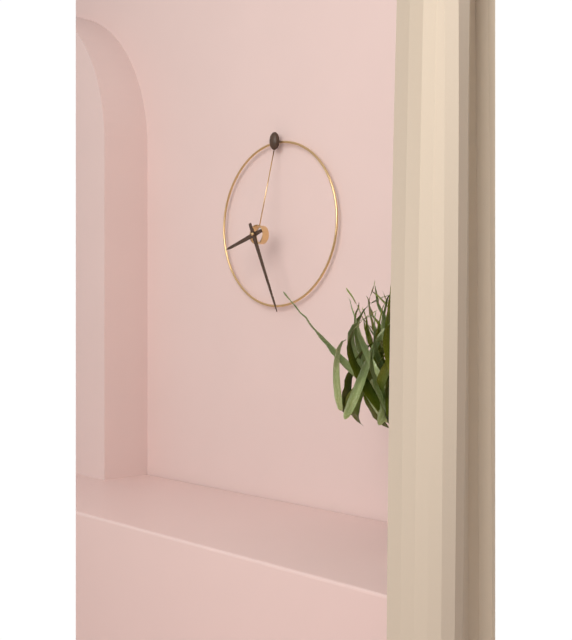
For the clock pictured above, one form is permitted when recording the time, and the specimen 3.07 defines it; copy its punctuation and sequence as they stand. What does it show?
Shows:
8.26
